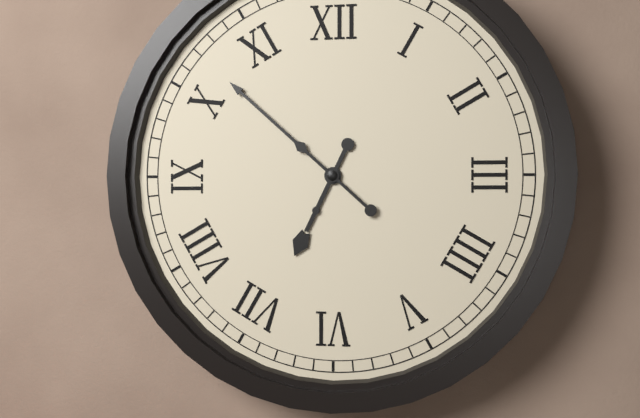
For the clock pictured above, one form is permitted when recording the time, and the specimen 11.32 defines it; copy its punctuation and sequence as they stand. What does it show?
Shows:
6.52
